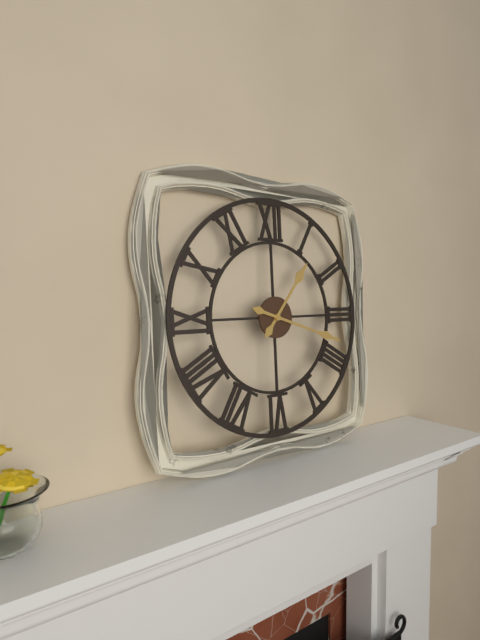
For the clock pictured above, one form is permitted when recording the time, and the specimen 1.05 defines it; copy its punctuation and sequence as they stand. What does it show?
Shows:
1.18
